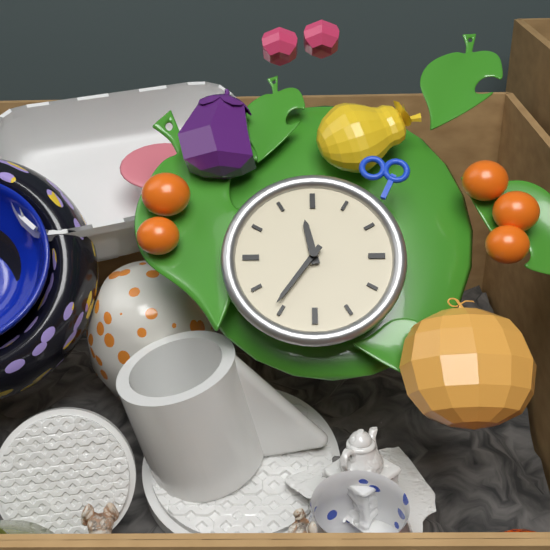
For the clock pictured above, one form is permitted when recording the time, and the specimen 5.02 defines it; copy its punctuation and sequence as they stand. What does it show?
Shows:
11.36
